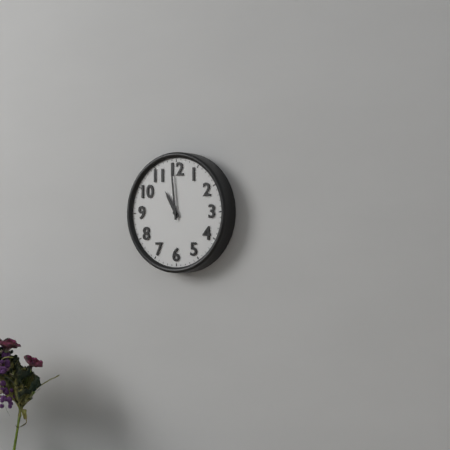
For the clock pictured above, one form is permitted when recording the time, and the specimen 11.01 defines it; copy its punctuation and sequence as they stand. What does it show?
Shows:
10.59
